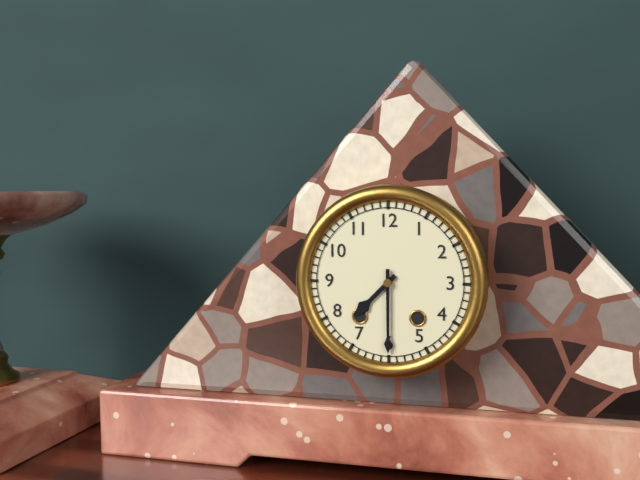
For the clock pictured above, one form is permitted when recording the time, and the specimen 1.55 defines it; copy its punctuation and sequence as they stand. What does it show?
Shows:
7.30
